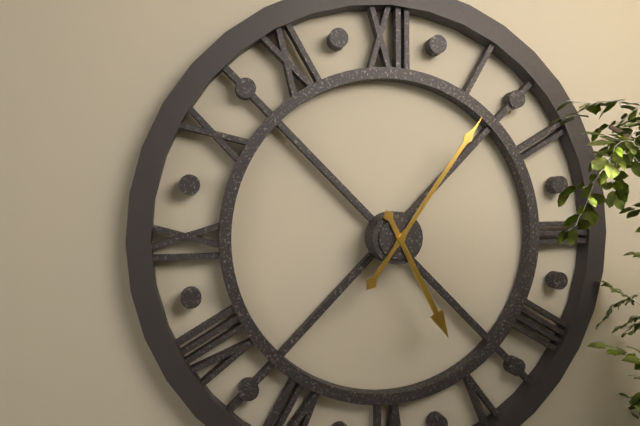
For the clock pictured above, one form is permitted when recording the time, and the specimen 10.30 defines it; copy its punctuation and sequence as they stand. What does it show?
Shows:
5.06
